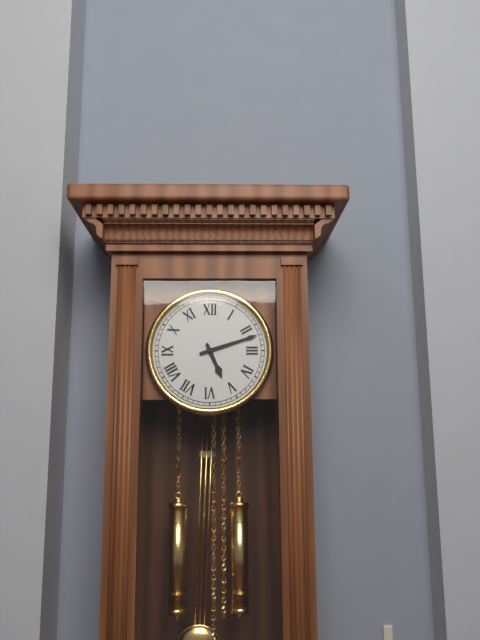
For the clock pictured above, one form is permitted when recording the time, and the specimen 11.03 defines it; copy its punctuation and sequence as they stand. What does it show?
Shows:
5.12
